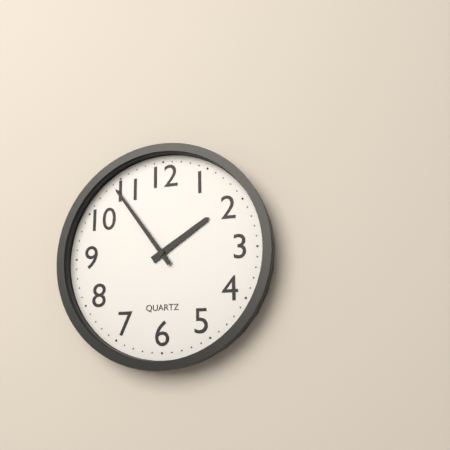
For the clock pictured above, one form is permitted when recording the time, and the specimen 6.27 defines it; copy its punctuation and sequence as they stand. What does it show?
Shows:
1.54
